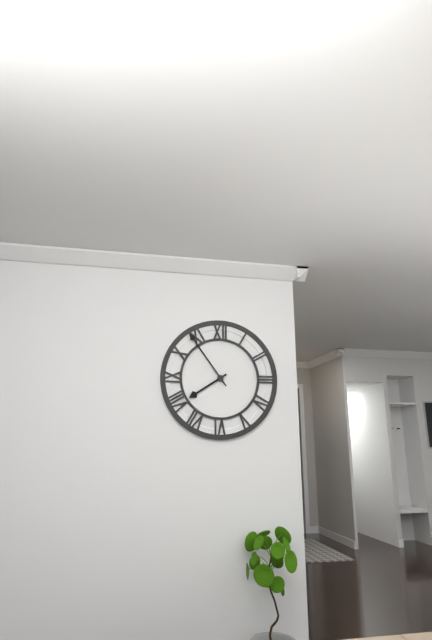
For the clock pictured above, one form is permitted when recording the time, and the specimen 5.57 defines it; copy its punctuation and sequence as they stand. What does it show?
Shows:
7.54
